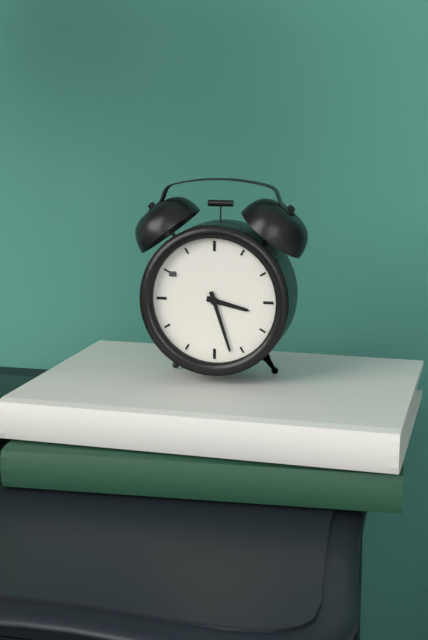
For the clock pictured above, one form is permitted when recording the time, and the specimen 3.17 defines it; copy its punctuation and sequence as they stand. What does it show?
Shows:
3.27
